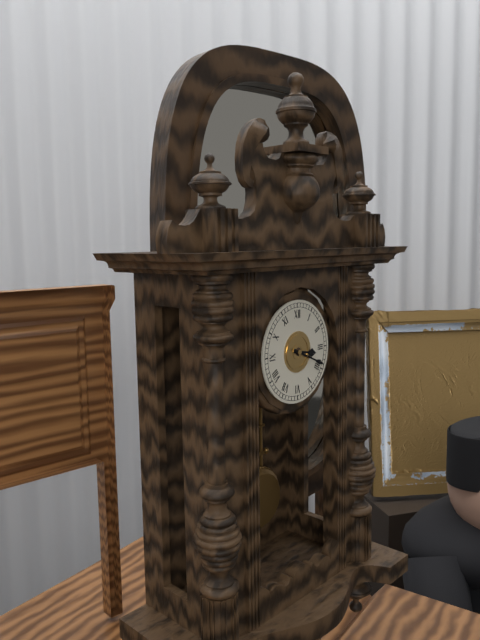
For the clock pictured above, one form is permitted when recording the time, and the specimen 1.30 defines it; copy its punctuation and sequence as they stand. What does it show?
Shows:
3.19
